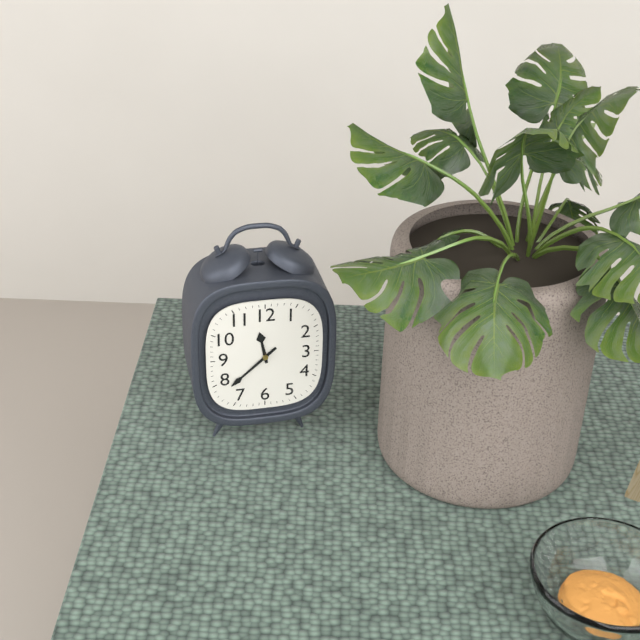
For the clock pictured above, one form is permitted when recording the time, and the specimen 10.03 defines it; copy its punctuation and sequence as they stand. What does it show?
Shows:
11.38
